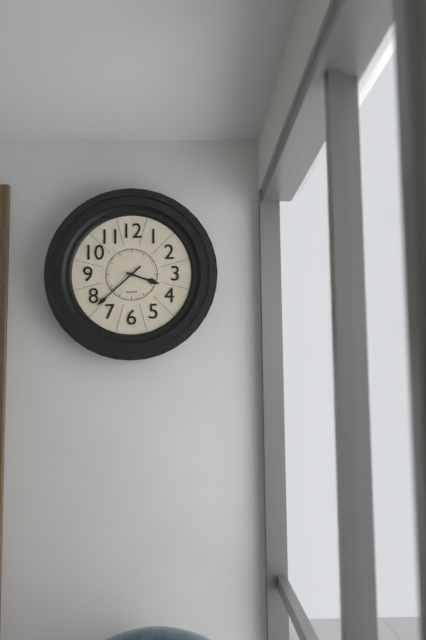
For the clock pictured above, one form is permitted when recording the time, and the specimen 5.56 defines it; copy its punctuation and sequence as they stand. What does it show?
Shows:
3.38
